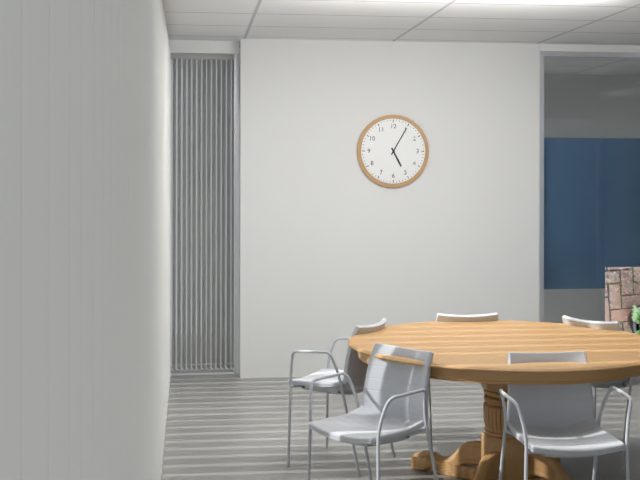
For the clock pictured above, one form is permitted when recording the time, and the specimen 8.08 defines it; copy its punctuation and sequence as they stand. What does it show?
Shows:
5.05
